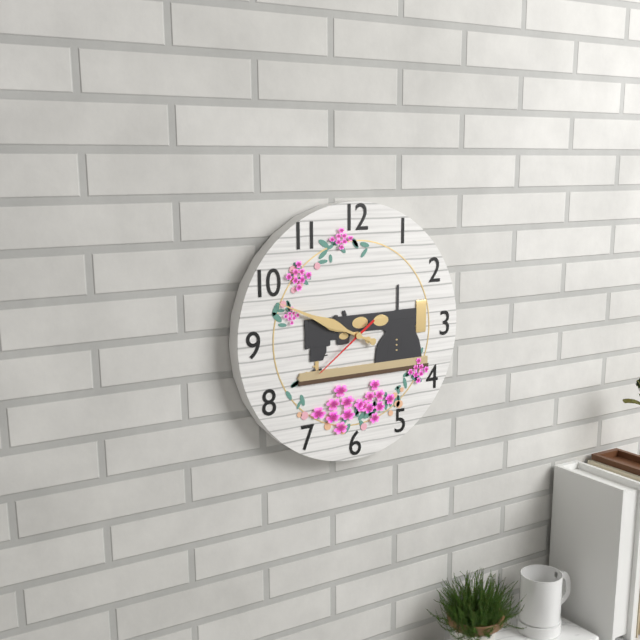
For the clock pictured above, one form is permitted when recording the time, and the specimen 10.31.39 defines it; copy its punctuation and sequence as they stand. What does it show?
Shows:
9.49.39
